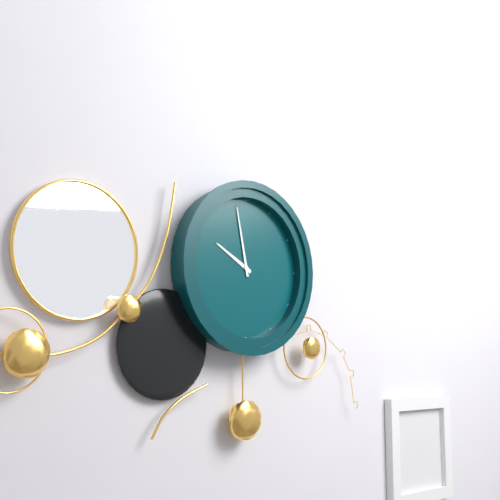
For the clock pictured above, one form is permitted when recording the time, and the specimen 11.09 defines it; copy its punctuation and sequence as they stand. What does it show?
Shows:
9.58
